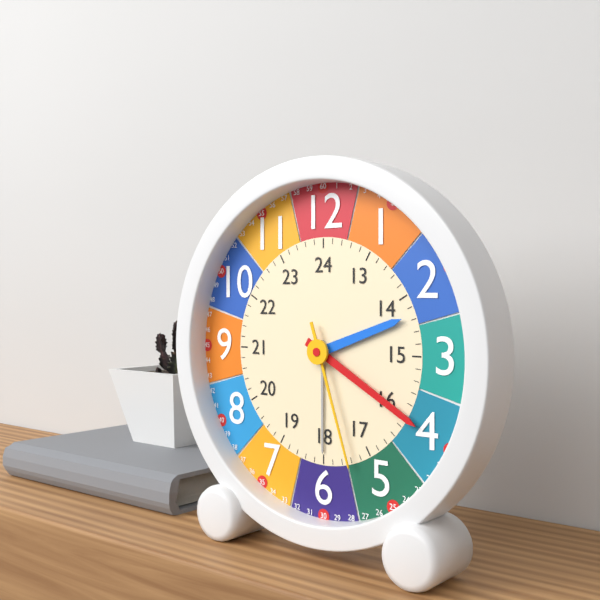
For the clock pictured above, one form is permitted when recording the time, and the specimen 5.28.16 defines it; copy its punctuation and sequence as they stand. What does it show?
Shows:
2.20.27
